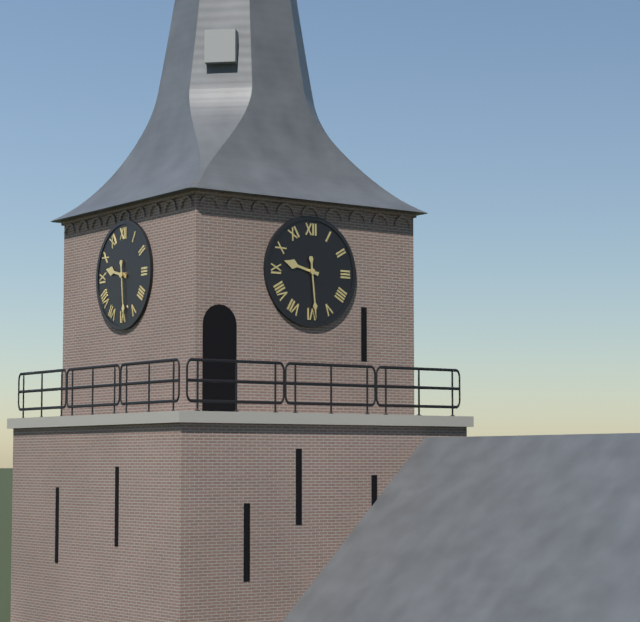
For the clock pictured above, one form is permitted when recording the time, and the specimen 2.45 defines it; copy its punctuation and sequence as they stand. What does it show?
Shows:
9.29
